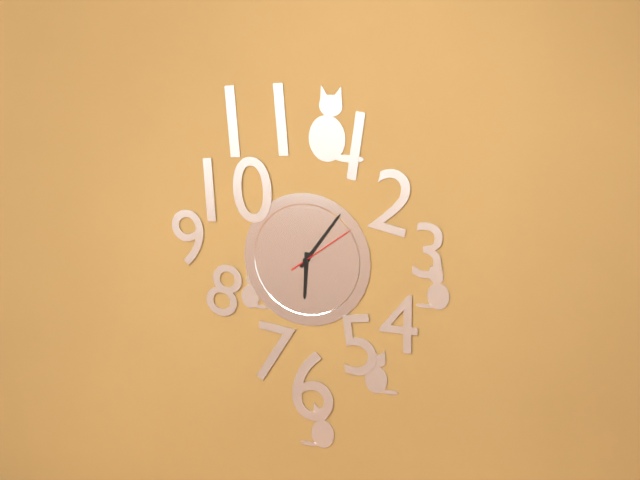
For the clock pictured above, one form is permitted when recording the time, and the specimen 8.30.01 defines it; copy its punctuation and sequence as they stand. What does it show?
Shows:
6.06.09
